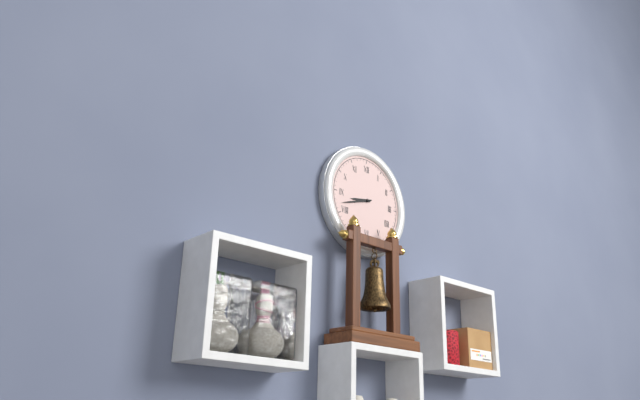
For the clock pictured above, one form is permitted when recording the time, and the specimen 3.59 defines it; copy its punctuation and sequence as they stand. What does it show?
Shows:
8.42
